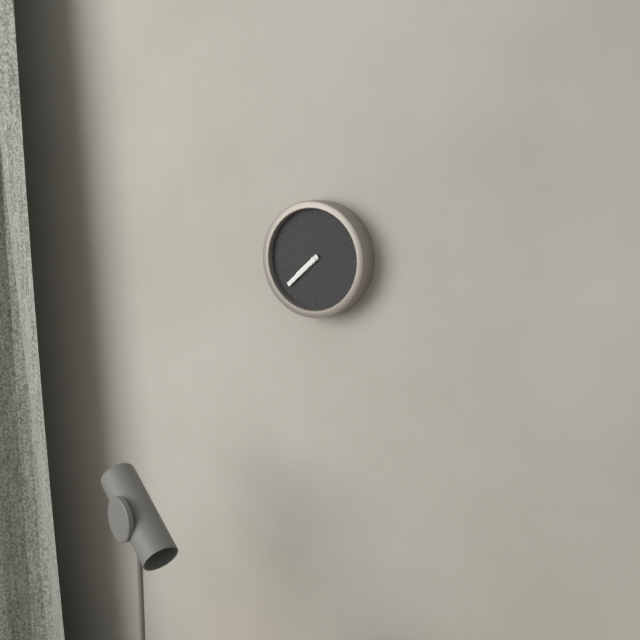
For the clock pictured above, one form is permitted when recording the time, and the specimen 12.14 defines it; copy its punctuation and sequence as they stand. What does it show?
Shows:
7.38
